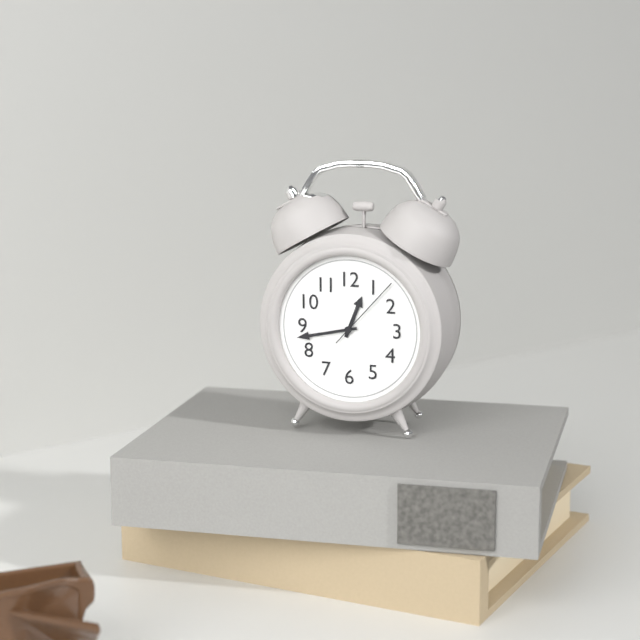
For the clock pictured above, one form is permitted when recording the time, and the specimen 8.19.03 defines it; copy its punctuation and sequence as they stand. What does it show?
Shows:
12.43.07
